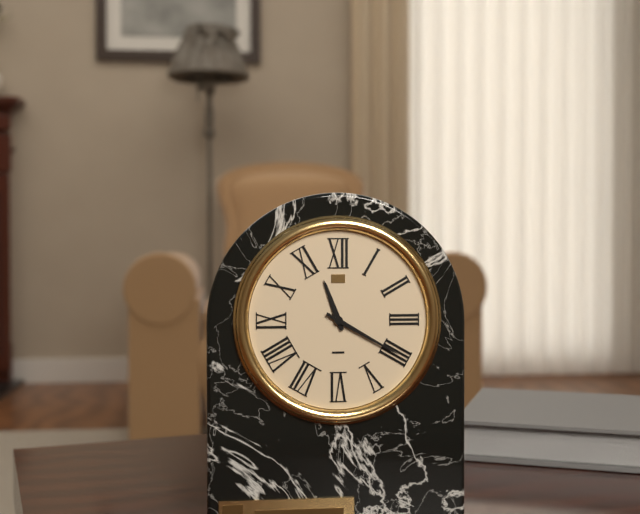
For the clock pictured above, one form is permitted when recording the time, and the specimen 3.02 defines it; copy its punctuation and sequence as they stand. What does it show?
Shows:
11.20
